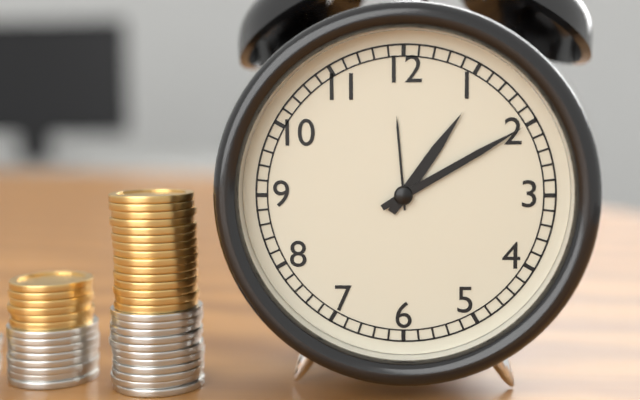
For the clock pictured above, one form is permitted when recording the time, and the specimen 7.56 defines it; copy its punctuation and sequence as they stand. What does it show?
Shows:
1.10
